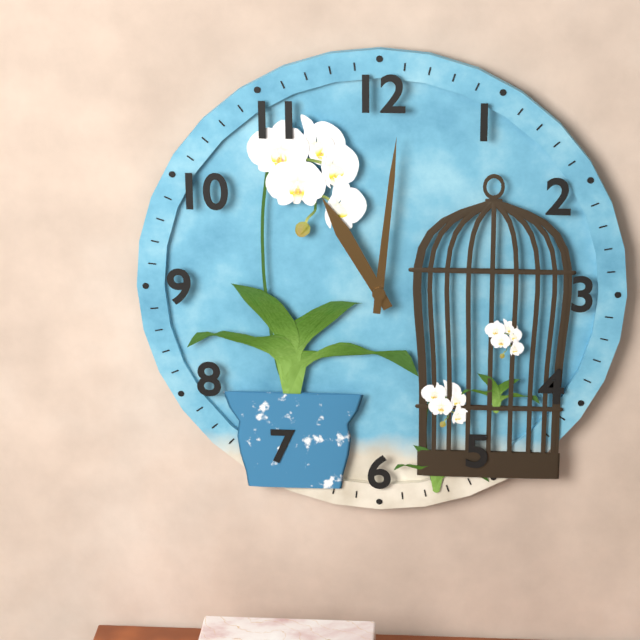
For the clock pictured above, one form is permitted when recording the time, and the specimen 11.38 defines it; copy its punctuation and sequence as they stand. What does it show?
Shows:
11.01
